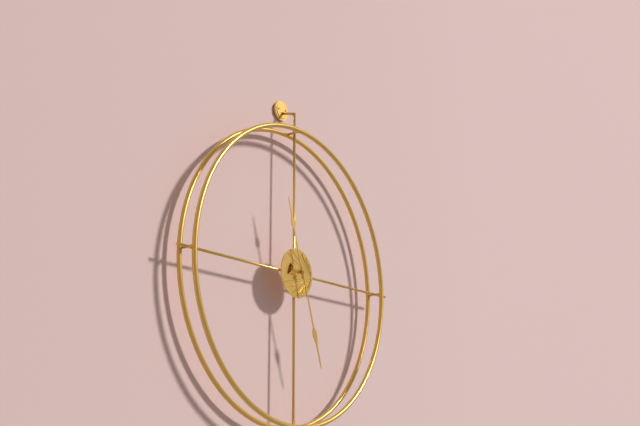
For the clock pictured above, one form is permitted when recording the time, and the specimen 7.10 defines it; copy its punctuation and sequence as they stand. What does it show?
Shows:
11.27
